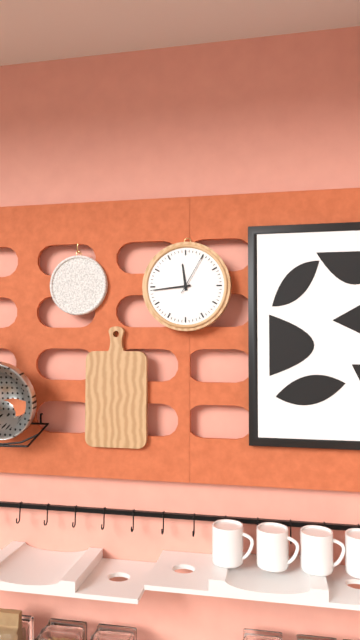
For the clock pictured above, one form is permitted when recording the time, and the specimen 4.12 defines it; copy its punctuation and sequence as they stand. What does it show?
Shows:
11.44
